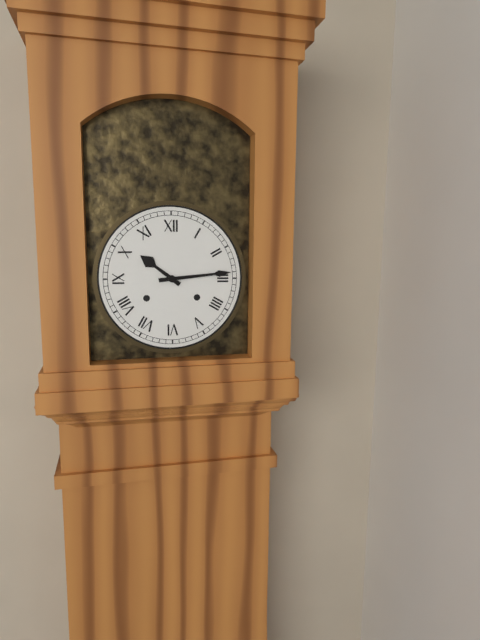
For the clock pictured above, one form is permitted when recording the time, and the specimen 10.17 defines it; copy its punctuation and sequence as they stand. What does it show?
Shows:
10.14
